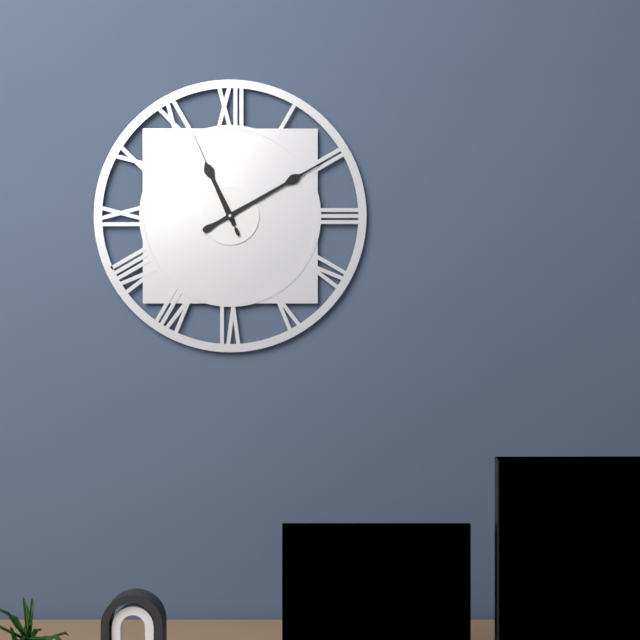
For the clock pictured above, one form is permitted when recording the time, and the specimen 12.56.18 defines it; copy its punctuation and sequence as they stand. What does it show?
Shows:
11.10.56
